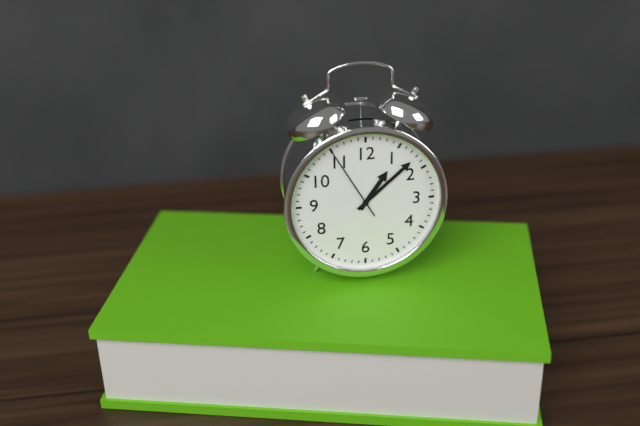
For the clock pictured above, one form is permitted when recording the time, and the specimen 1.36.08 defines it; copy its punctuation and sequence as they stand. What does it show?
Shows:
1.08.55
